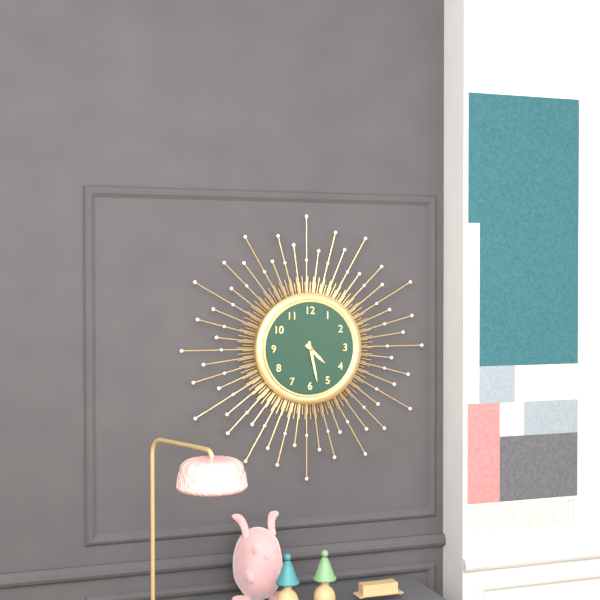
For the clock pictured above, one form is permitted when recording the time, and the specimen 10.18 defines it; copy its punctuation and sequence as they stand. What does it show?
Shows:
4.28
